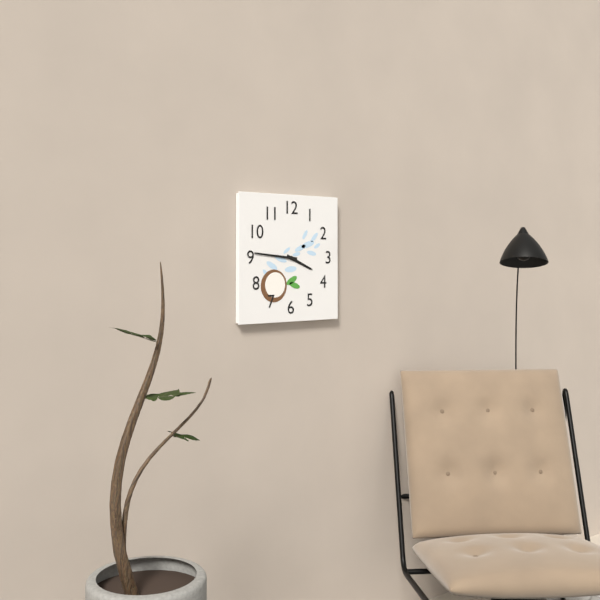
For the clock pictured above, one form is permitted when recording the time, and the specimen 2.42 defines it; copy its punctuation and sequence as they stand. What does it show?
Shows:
3.46
